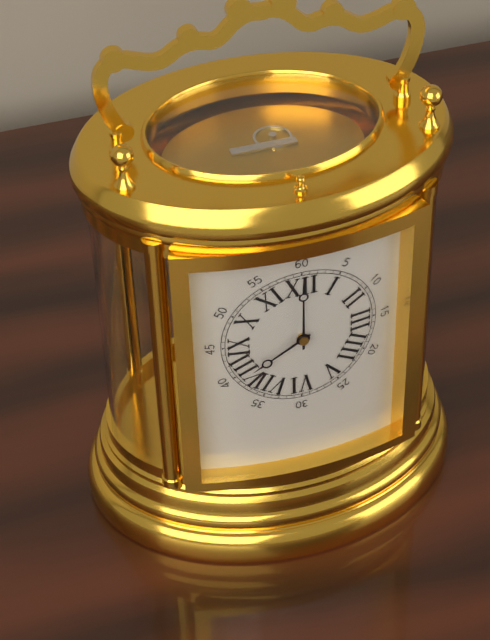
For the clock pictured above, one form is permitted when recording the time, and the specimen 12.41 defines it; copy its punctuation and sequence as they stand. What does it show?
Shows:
8.00
